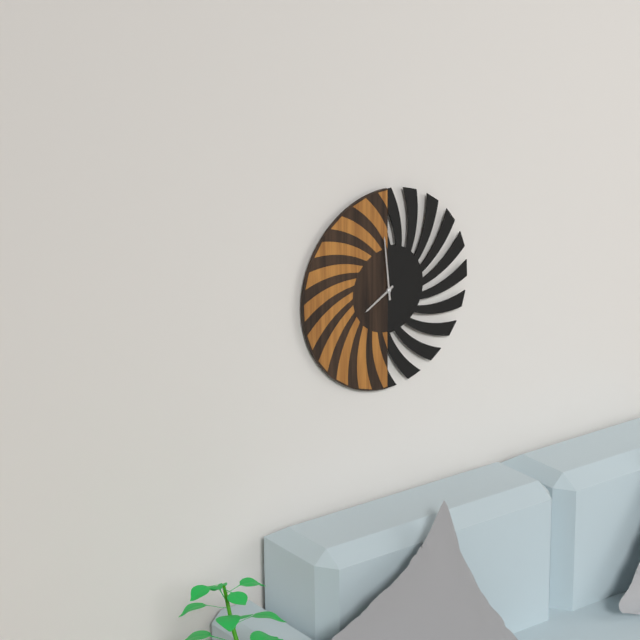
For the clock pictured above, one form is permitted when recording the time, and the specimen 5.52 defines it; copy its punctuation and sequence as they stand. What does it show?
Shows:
7.59
